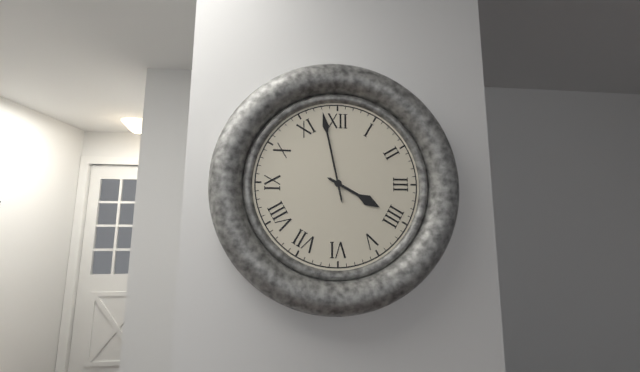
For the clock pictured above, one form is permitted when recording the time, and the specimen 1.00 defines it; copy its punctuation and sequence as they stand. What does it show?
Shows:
3.58
